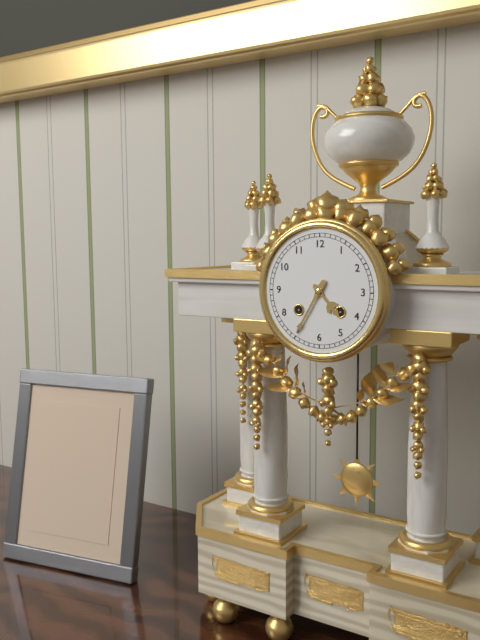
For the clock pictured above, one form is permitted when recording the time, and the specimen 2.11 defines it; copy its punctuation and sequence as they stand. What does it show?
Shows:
4.35
